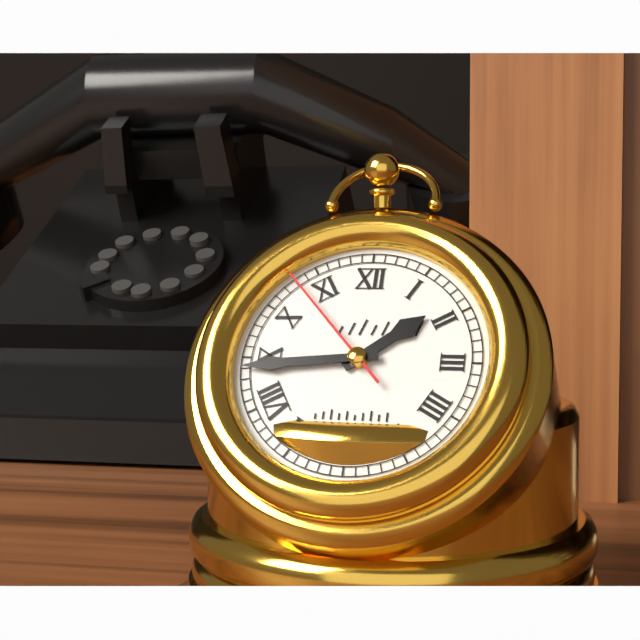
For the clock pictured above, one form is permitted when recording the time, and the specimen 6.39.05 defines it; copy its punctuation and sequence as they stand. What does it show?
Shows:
1.44.53
